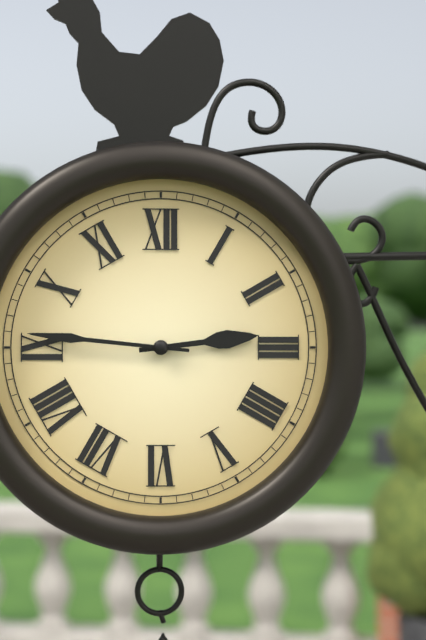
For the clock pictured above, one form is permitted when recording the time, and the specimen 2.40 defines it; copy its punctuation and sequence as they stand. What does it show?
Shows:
2.46
